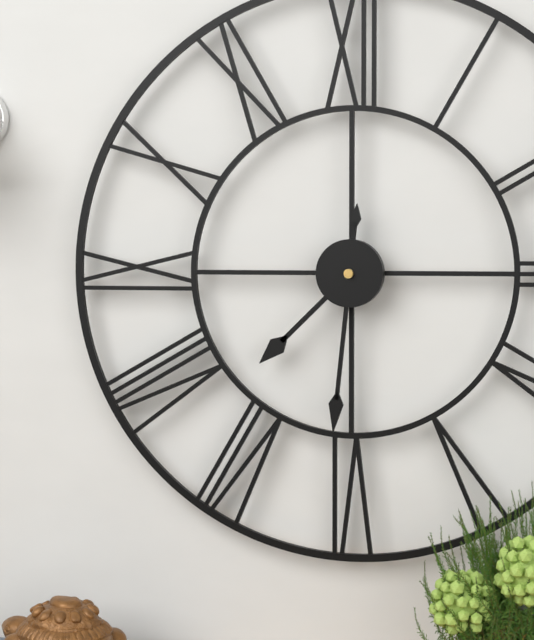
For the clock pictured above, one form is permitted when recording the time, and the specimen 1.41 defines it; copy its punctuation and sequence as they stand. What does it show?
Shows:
7.31
